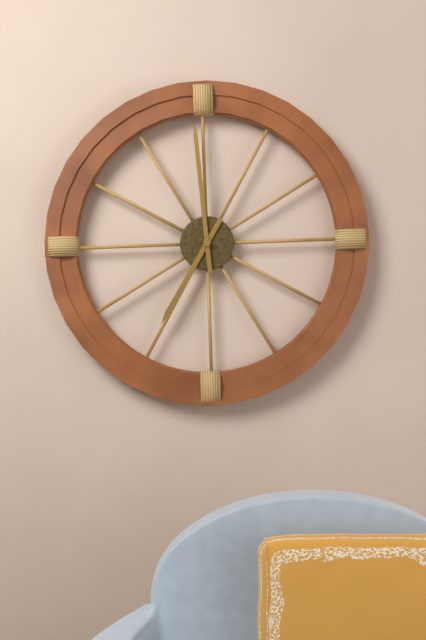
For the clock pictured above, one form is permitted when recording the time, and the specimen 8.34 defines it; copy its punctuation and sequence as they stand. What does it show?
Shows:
6.59
